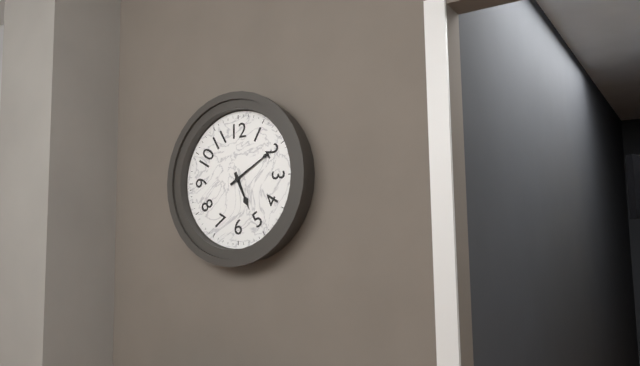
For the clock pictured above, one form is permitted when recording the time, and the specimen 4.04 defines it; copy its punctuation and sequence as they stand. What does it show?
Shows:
5.10
